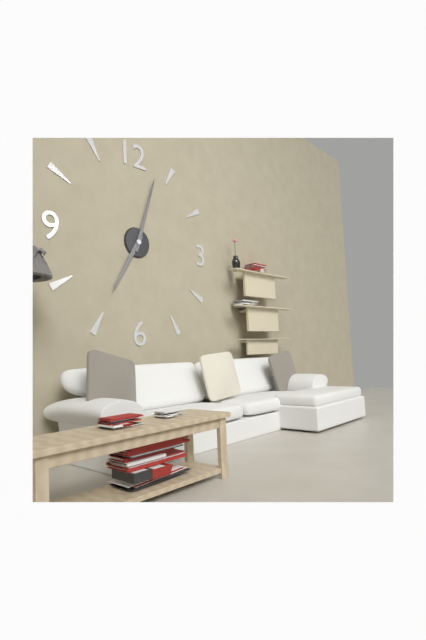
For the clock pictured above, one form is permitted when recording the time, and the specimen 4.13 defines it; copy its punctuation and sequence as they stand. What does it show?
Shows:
7.03
